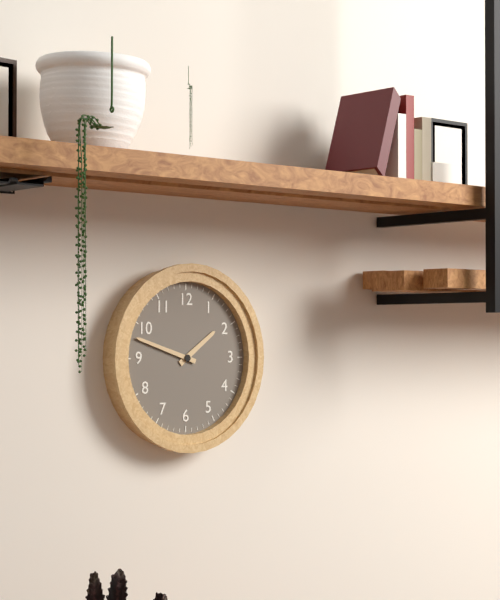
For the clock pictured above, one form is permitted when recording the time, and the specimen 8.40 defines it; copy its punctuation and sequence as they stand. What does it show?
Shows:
1.48
